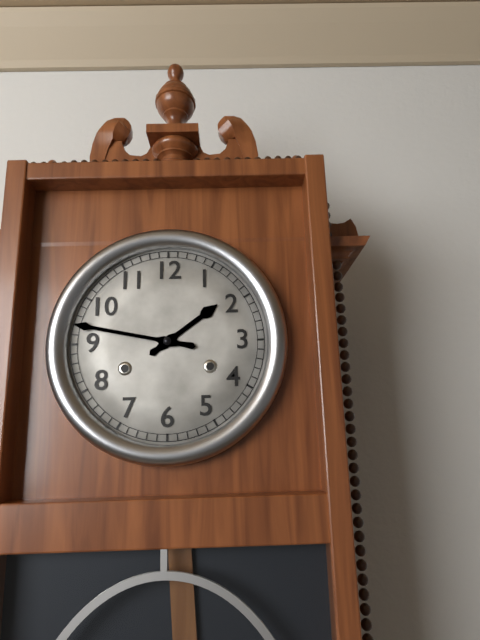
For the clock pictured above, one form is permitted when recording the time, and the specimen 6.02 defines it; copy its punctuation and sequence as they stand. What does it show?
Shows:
1.47
